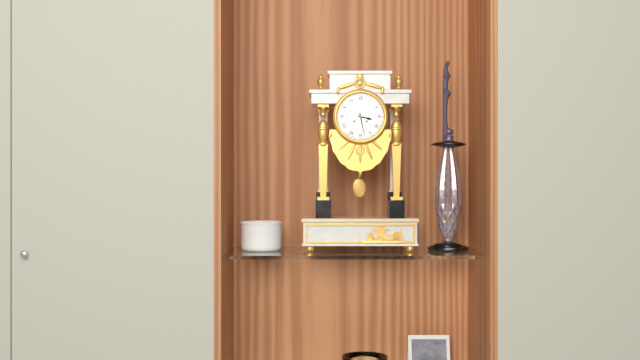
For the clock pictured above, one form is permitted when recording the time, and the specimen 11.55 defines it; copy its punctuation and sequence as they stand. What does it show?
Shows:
3.28
